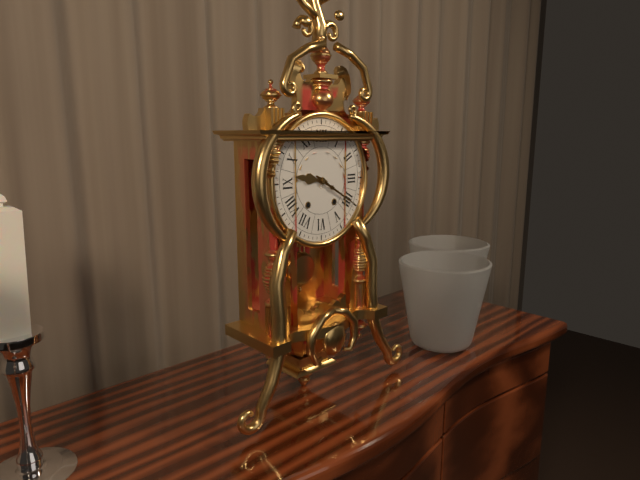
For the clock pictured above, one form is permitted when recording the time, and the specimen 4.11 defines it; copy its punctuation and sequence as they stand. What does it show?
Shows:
9.20
